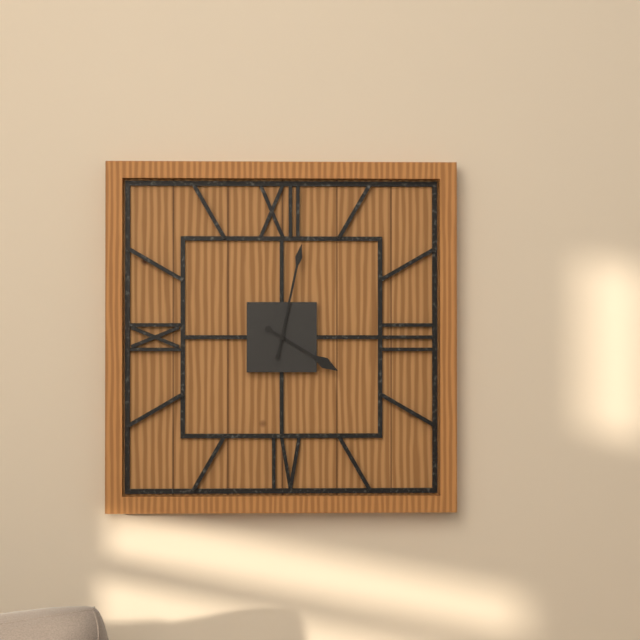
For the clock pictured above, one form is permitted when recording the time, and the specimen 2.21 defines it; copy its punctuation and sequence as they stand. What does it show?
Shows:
4.02
